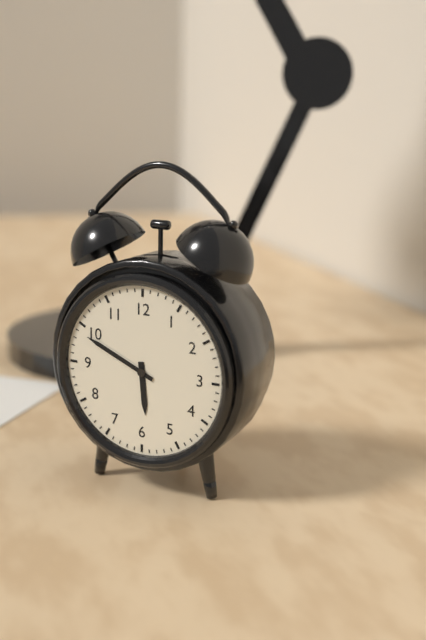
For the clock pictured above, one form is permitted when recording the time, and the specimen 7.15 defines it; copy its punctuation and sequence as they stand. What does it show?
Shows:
5.49
